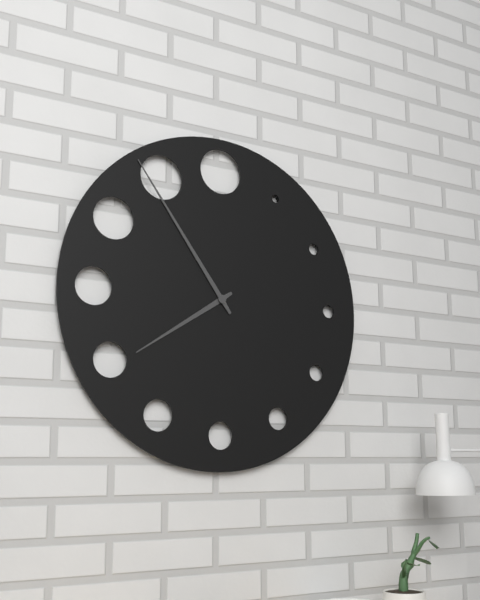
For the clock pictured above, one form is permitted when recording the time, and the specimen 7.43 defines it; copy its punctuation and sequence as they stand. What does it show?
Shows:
7.54
